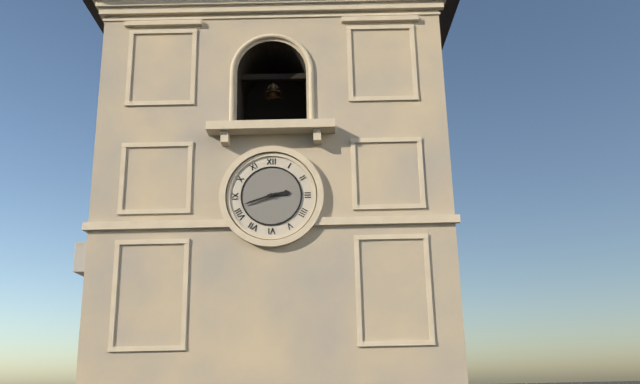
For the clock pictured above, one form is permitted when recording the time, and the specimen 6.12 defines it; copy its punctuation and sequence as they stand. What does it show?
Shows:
2.42
